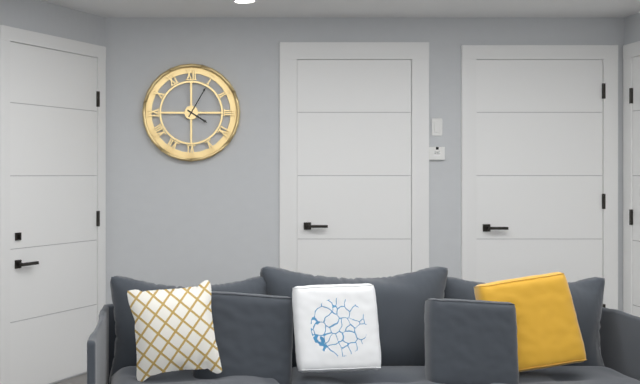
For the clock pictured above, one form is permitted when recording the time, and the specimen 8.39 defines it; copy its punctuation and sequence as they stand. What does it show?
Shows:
4.05
